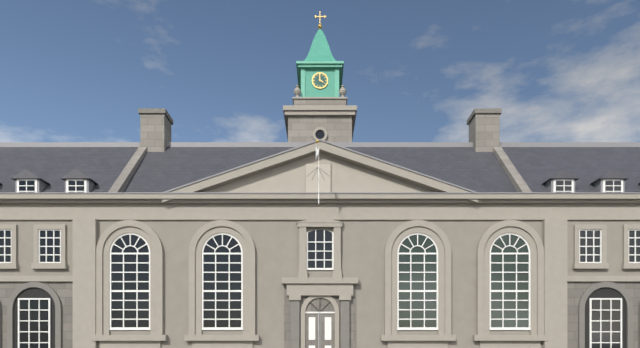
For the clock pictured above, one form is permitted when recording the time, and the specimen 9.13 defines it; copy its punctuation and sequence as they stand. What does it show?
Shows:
3.59
